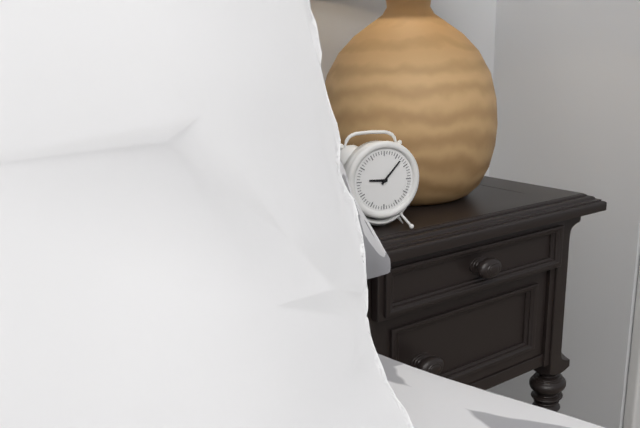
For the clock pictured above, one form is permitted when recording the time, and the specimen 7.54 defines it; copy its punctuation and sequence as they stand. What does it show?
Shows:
9.07
